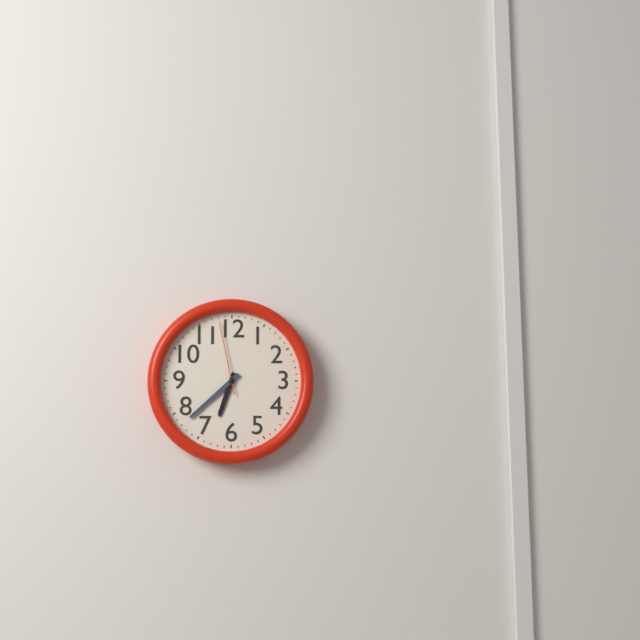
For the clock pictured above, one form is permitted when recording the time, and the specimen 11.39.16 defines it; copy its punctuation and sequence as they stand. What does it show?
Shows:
6.38.58
